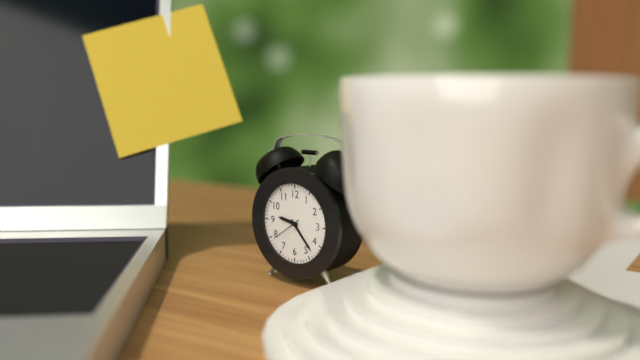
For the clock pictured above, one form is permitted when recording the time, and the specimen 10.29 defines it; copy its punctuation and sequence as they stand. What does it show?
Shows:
9.23
